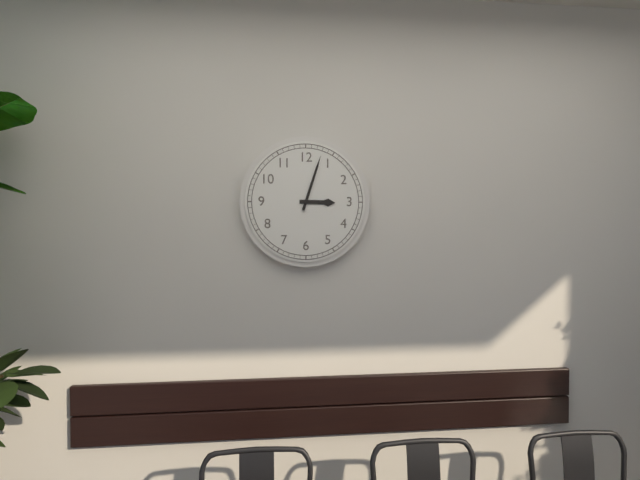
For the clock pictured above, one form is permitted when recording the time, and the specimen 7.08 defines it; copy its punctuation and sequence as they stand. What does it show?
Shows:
3.03
